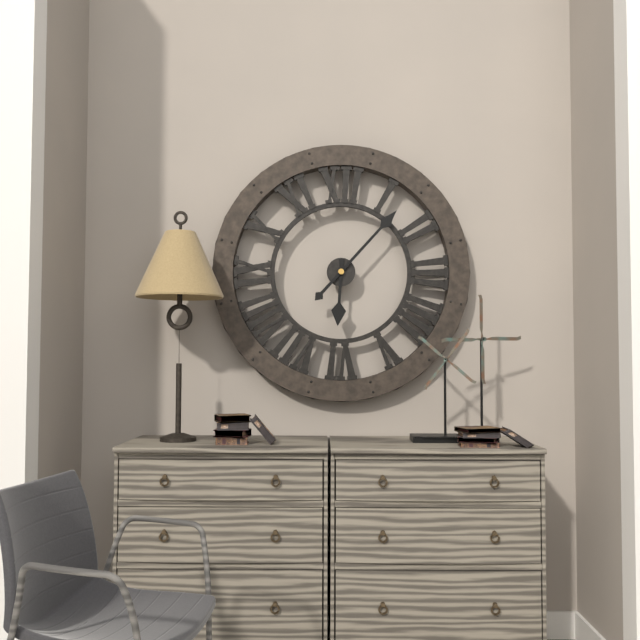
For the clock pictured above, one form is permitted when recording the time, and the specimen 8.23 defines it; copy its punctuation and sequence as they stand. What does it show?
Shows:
6.07
